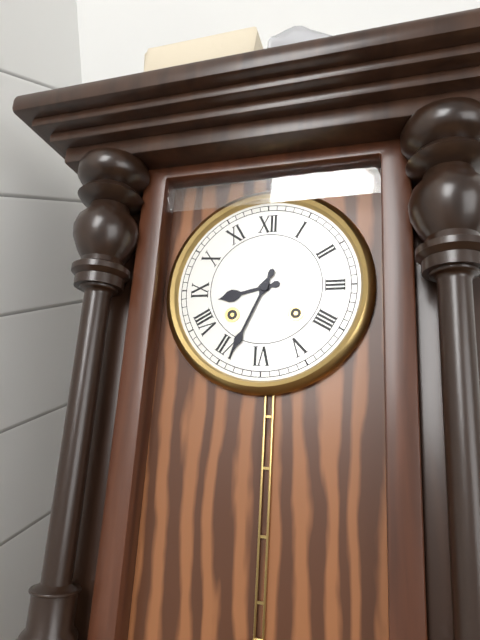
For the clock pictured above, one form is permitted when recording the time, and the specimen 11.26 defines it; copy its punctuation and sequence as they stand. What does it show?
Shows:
8.34
